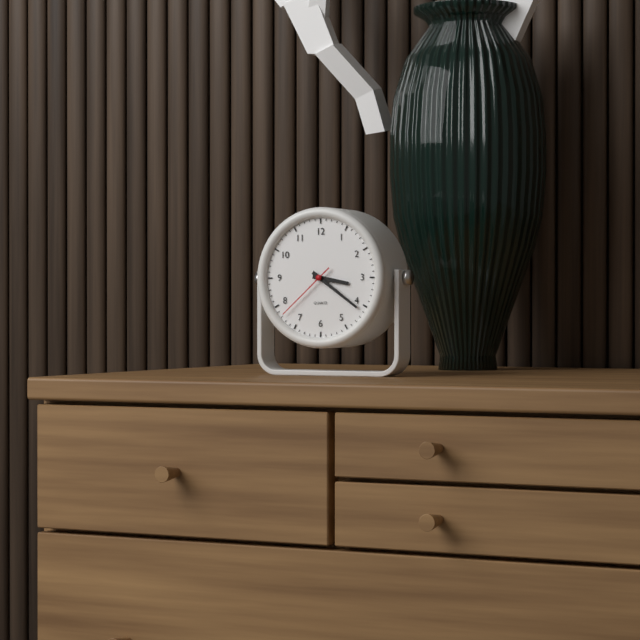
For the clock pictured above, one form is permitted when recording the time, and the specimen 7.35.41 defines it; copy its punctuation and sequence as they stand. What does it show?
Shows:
3.21.38
